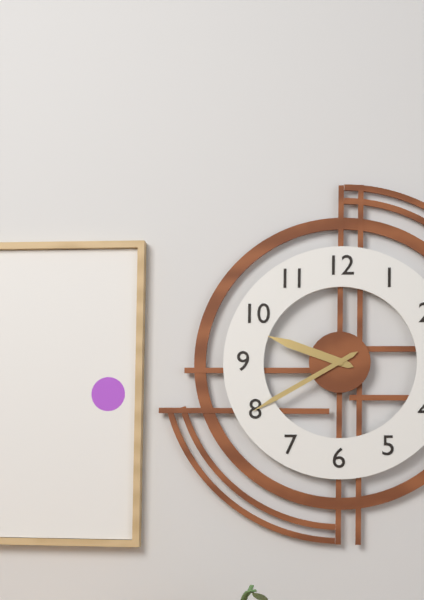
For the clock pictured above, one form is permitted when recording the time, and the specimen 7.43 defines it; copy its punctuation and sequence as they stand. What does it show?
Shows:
9.40
